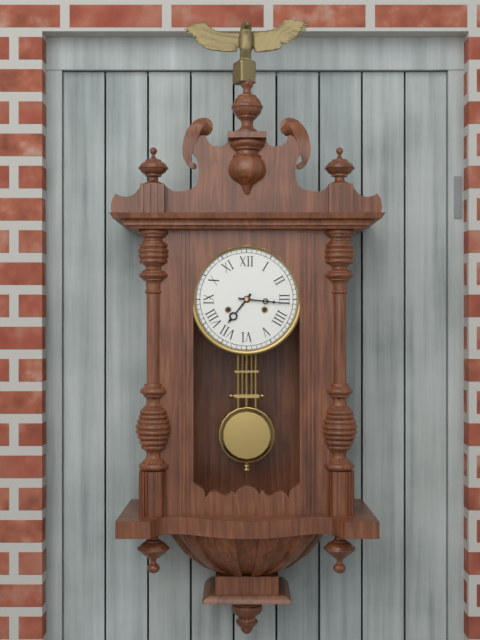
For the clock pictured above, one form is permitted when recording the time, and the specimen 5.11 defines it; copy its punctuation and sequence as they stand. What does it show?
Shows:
7.16
